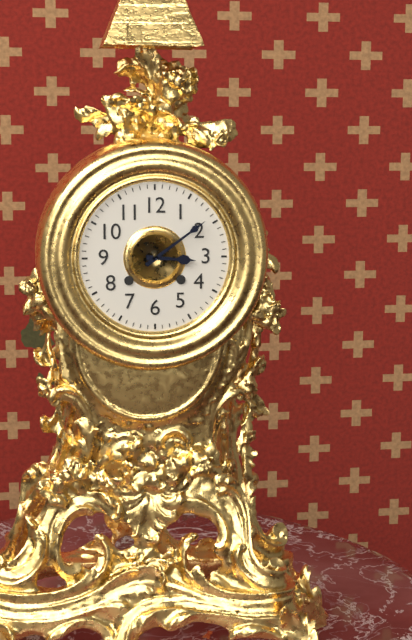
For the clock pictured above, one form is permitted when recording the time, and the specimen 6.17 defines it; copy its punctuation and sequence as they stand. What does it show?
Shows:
3.09
